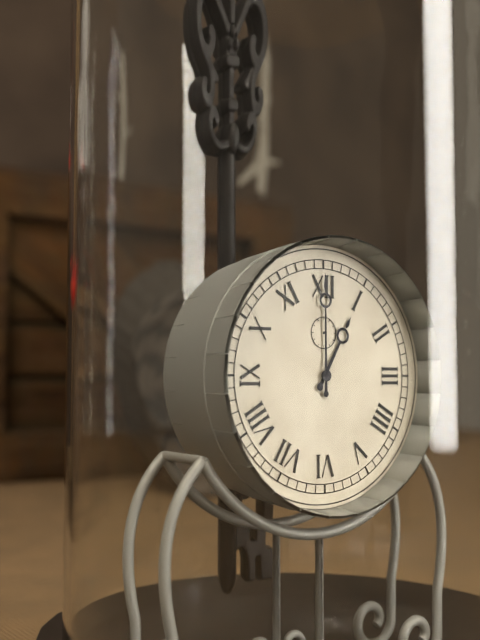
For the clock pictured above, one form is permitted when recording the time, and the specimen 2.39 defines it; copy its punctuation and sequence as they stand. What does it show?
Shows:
1.00
